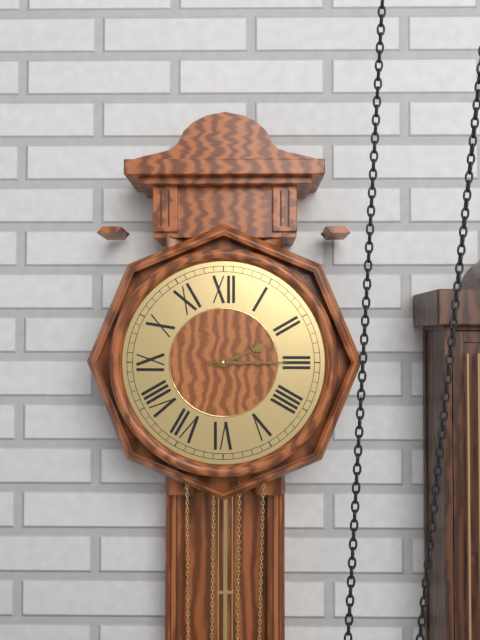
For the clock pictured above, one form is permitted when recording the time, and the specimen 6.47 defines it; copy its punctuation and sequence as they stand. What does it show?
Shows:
2.15
